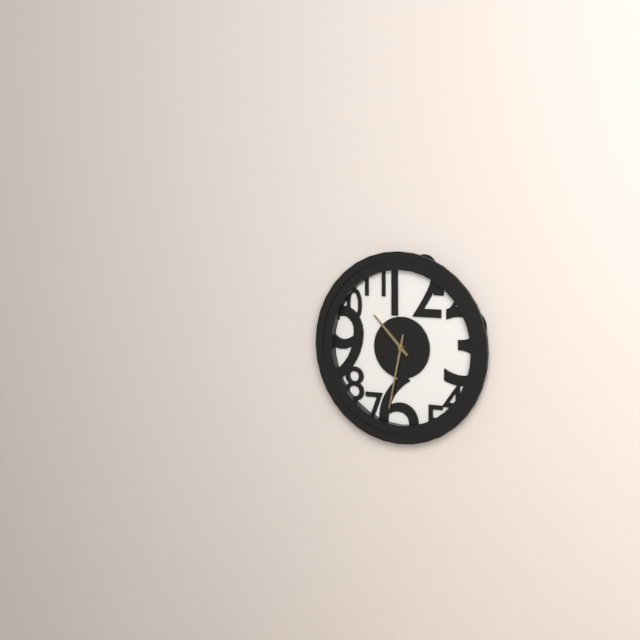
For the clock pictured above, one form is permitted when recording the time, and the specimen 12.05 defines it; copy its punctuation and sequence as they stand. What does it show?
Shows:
10.32
